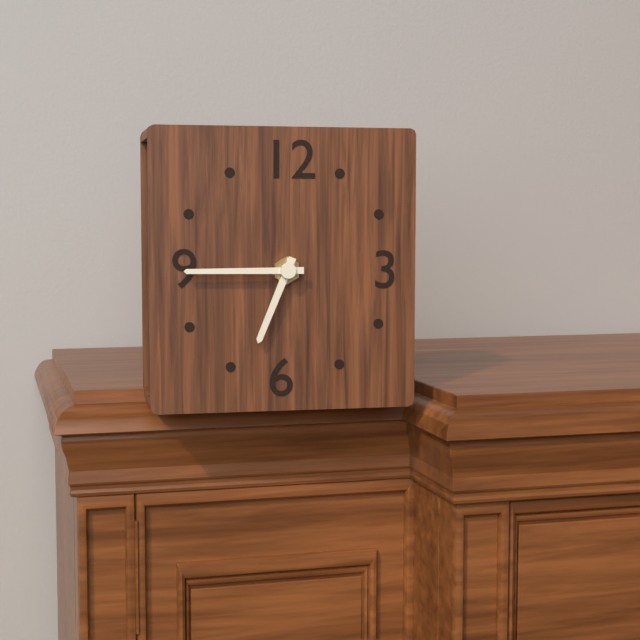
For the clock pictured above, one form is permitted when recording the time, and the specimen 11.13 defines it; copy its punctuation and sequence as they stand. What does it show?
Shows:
6.45
